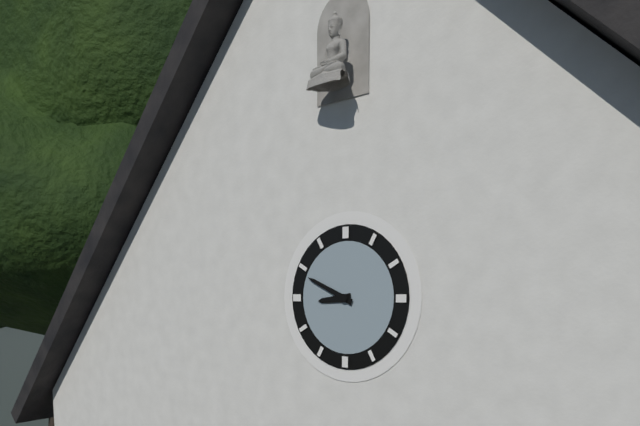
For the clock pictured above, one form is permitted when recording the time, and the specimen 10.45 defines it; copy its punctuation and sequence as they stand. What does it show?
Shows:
8.49
